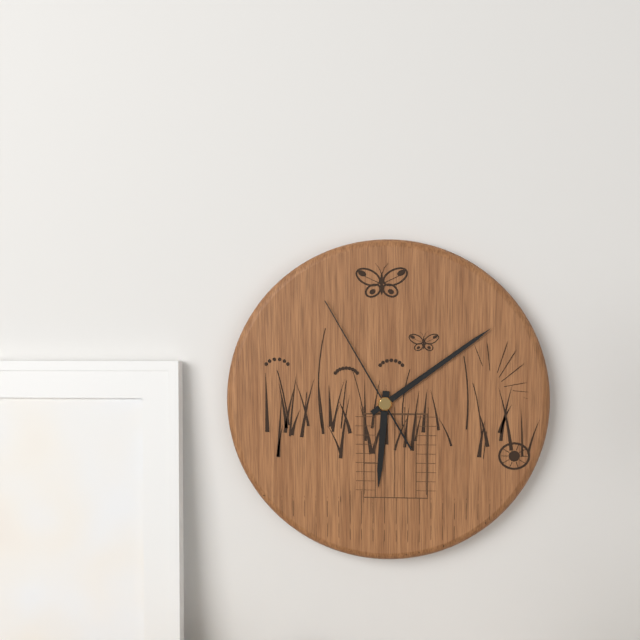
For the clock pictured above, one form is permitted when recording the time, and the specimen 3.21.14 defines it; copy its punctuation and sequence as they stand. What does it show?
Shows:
6.09.55
